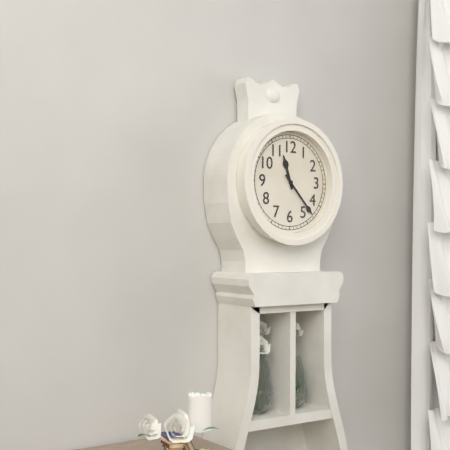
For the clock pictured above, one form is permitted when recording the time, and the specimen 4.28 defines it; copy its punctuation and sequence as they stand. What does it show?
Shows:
11.23
